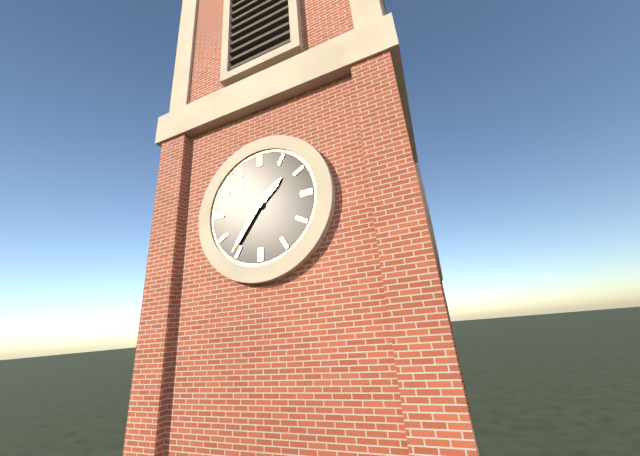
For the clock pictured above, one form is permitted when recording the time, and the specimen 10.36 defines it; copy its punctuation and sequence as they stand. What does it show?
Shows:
1.36
